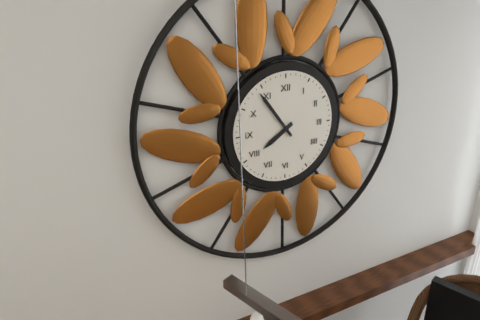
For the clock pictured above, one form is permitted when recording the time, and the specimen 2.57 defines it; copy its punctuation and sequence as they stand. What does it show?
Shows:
7.54
